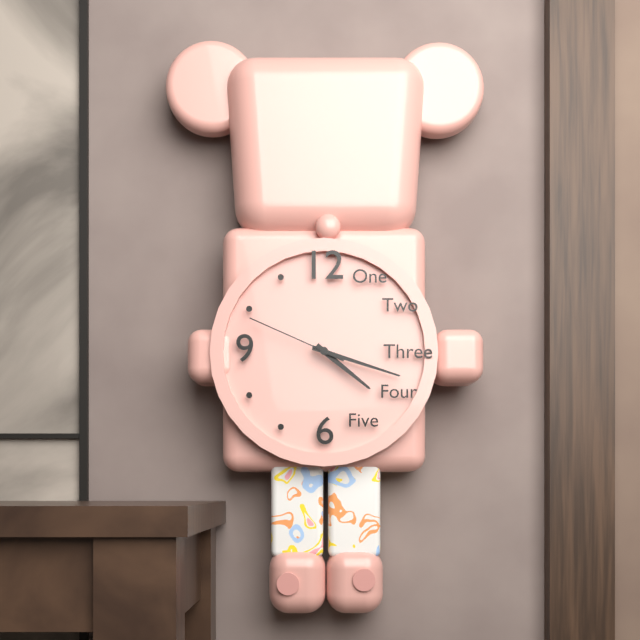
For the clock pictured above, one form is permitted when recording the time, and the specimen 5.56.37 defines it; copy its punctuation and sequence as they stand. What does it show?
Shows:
4.18.49
